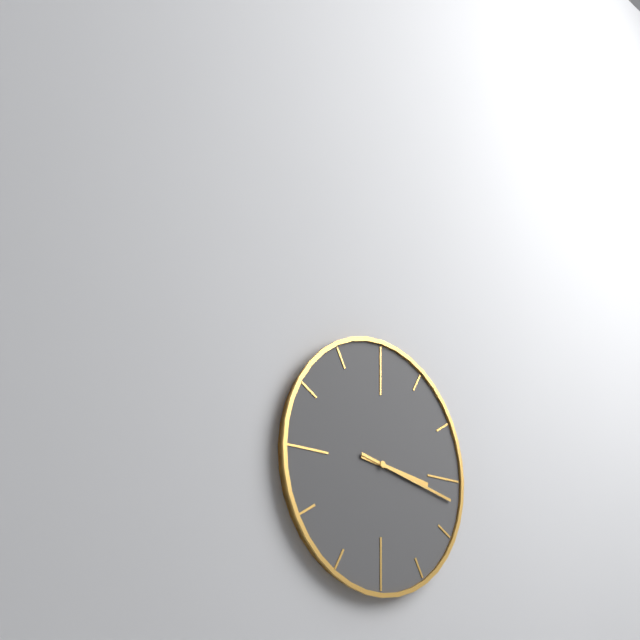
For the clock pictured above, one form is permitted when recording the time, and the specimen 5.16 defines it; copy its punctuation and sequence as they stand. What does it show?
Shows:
3.17
